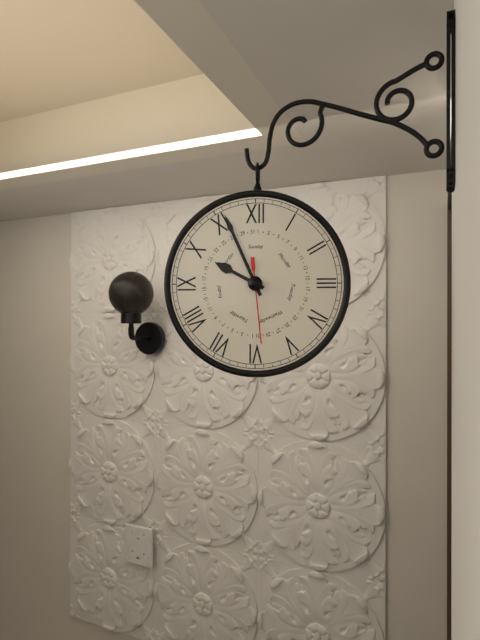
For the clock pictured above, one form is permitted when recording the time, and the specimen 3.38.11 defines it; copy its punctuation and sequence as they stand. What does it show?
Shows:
9.56.29
